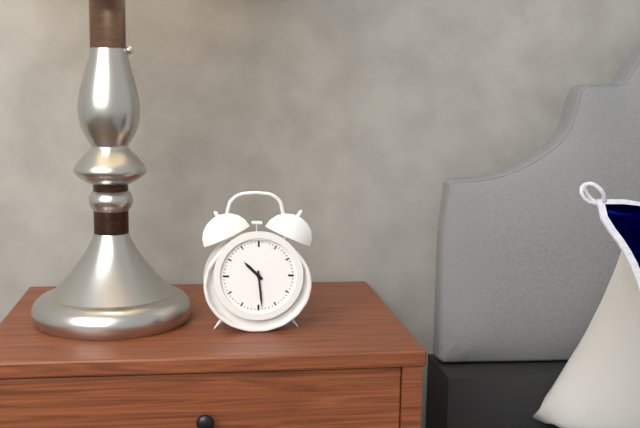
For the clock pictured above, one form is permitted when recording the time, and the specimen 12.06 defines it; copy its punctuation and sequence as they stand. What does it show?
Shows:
10.29
